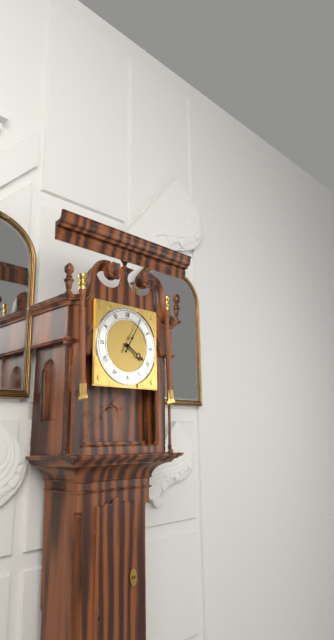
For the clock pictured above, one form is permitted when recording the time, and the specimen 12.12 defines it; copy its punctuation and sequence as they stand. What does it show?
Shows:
4.05
